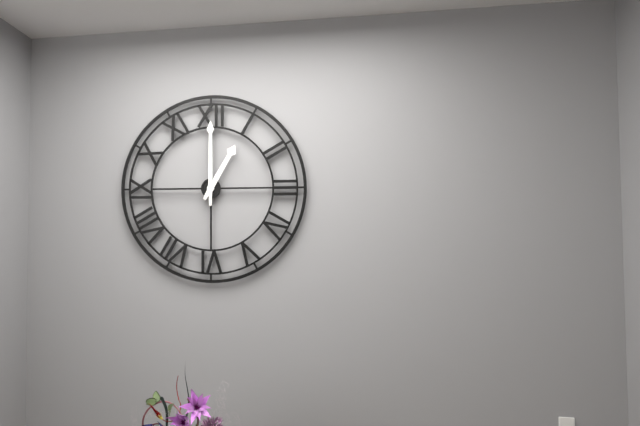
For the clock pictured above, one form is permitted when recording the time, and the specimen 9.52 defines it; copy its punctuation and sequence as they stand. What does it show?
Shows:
1.00
